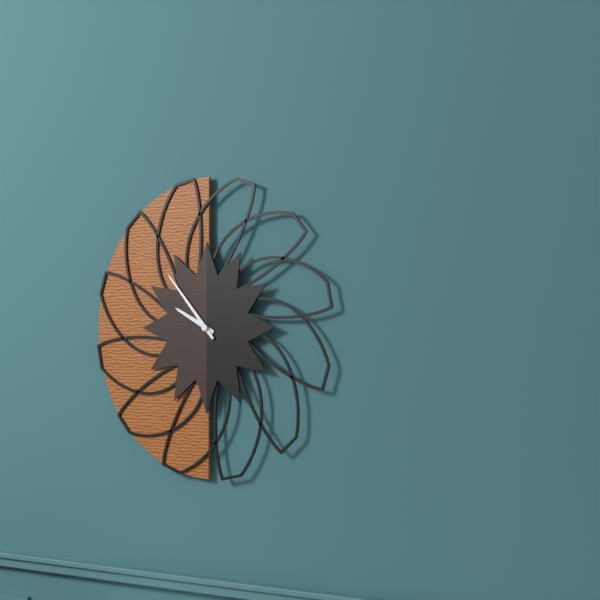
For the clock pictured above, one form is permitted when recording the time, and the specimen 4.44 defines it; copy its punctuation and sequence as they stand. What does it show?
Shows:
9.53
